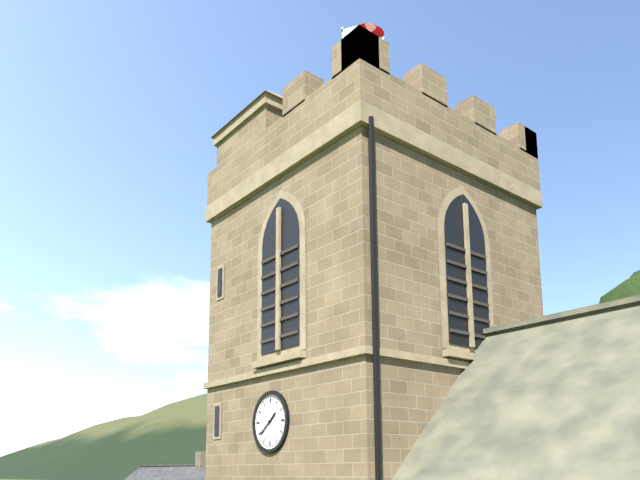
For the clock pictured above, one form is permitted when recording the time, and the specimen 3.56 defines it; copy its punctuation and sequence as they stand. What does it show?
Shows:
1.39
